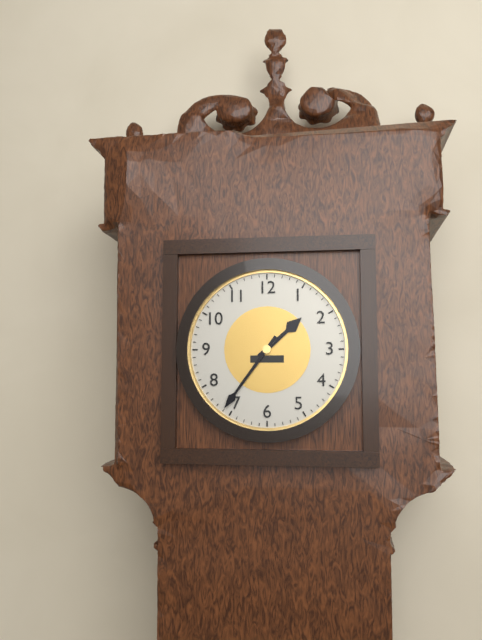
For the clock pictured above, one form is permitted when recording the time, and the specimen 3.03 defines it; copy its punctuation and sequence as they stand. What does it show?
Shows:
1.36
